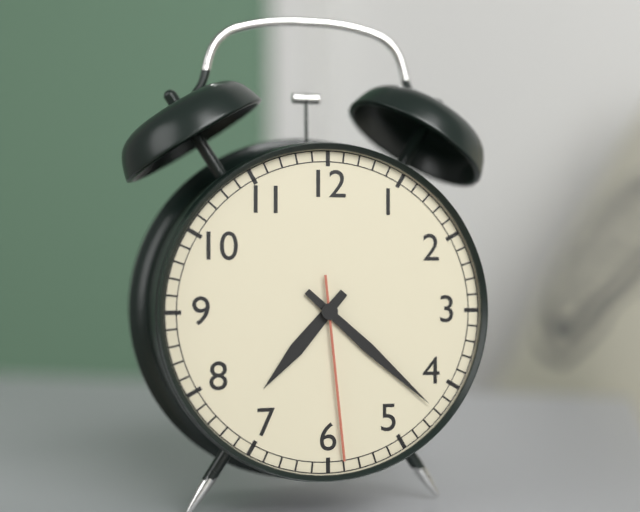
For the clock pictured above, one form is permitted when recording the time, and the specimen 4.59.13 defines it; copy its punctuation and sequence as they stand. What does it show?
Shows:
7.22.29
